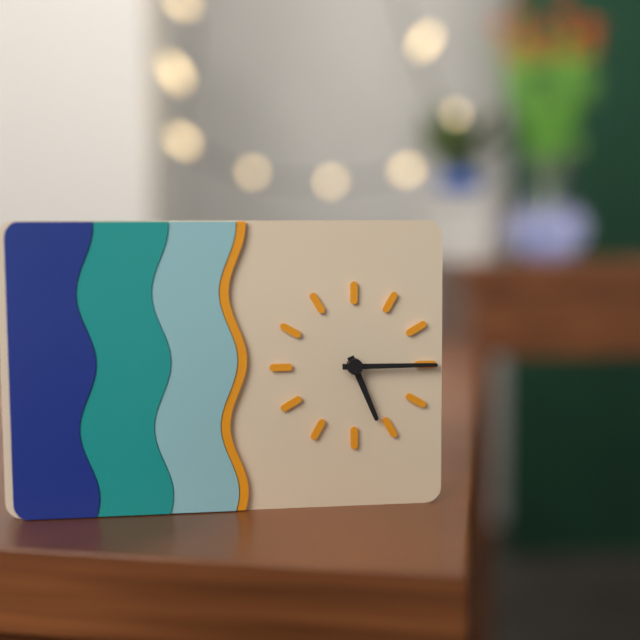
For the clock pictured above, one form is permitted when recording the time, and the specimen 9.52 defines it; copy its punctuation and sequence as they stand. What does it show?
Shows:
5.15
